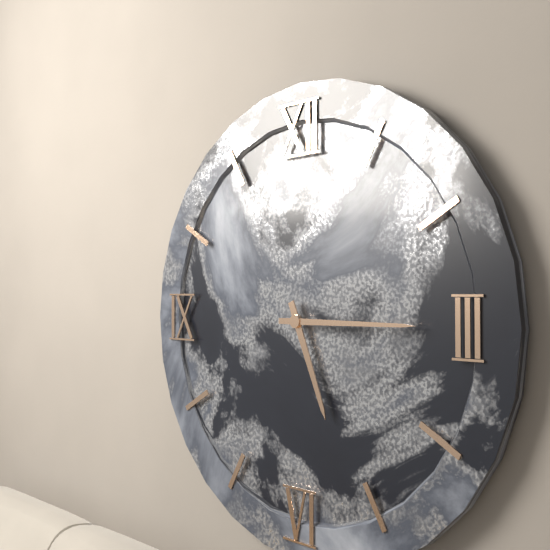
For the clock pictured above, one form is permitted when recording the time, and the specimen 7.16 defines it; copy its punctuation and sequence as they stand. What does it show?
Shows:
5.15
